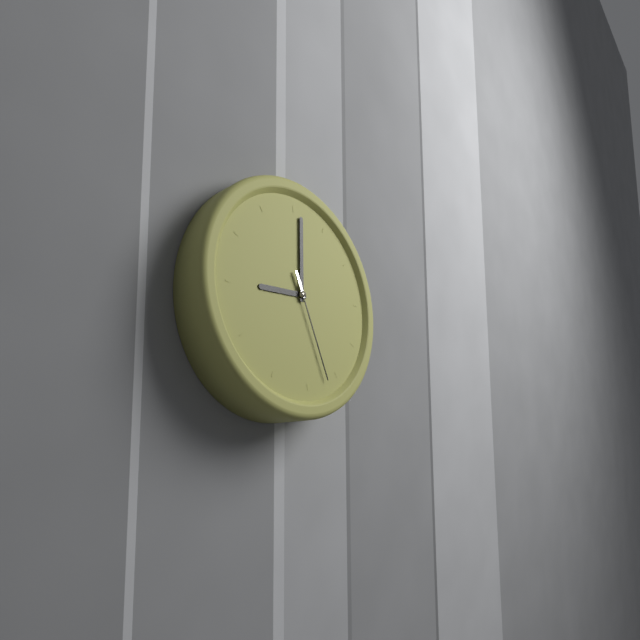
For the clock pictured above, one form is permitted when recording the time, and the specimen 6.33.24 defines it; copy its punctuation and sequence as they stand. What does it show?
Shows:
9.01.27
